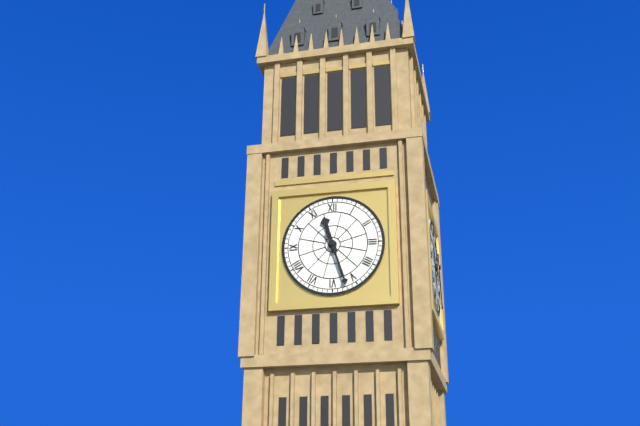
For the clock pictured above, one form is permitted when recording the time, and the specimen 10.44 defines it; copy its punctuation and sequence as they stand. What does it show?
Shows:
11.27
